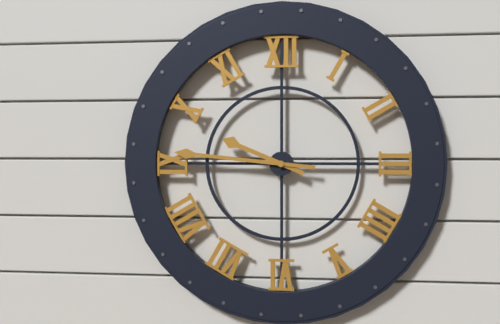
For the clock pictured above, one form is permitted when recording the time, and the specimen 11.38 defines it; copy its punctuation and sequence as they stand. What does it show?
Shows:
9.46
